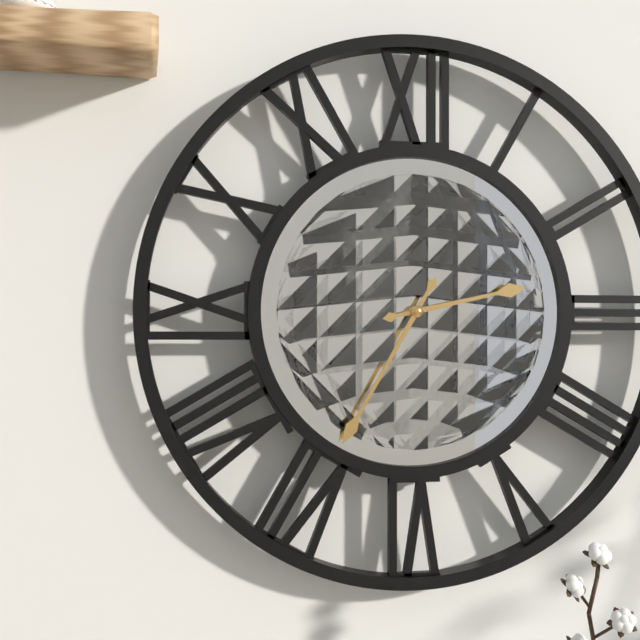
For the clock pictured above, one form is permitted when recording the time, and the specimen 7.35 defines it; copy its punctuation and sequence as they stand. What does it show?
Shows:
2.35
